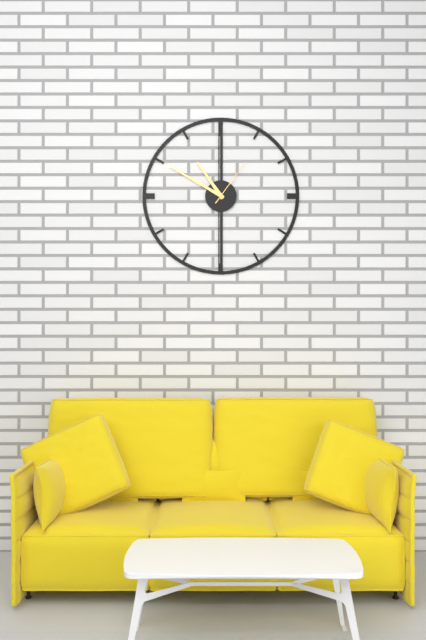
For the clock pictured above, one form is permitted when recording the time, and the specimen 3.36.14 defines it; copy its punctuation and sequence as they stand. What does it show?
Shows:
10.50.06
